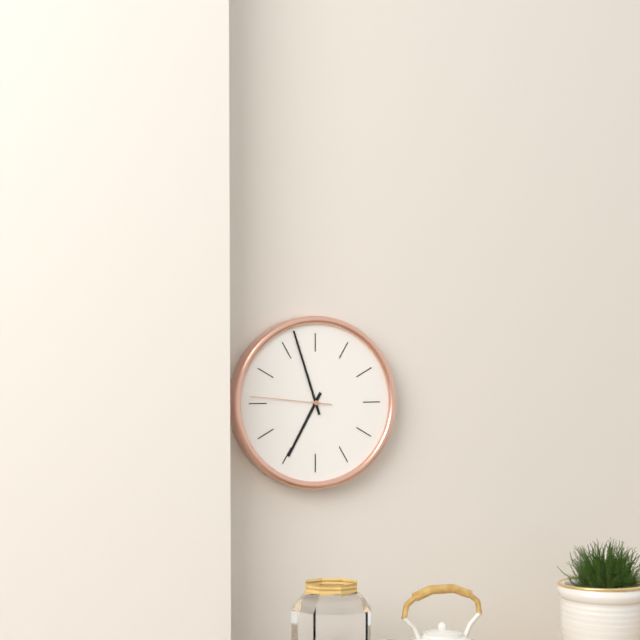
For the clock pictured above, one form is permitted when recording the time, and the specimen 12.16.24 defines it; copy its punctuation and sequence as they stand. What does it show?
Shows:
6.57.46
